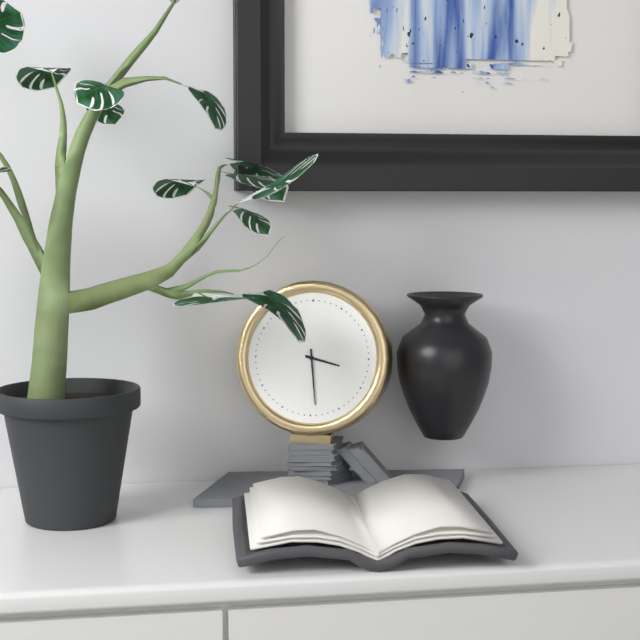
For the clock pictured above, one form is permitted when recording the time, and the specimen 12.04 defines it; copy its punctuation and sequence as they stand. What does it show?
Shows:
3.29
